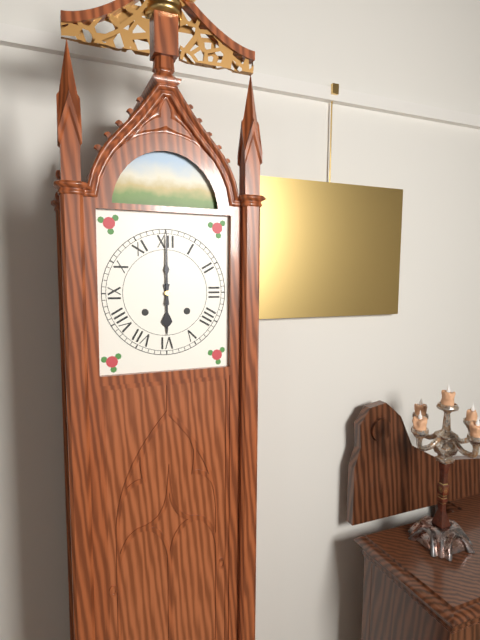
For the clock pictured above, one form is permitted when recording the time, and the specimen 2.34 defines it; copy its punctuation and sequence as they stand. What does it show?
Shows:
6.00
